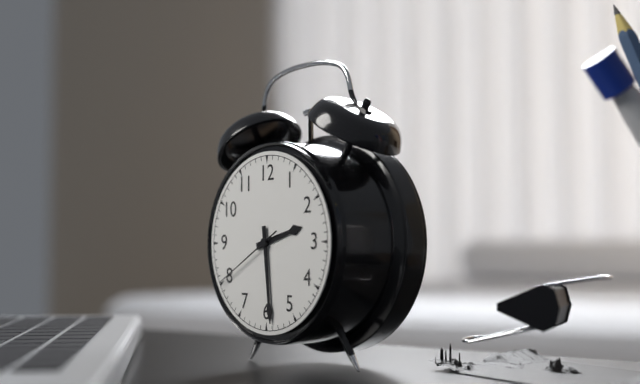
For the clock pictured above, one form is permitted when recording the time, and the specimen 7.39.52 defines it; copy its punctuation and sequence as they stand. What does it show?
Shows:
2.29.40
